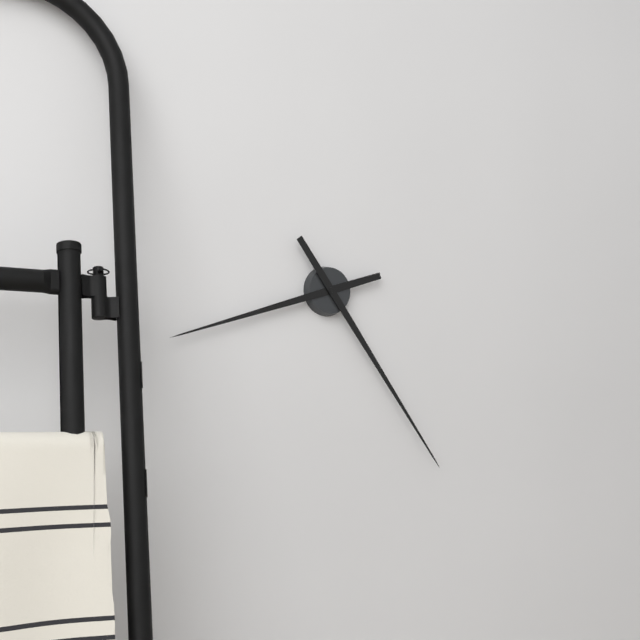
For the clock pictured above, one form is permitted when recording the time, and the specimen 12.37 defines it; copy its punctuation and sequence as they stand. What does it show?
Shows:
8.24
